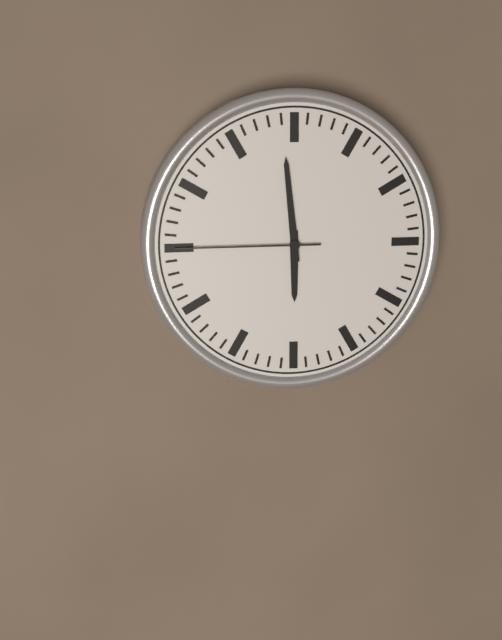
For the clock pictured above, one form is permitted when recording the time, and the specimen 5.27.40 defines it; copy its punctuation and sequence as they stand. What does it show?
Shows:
5.59.45
